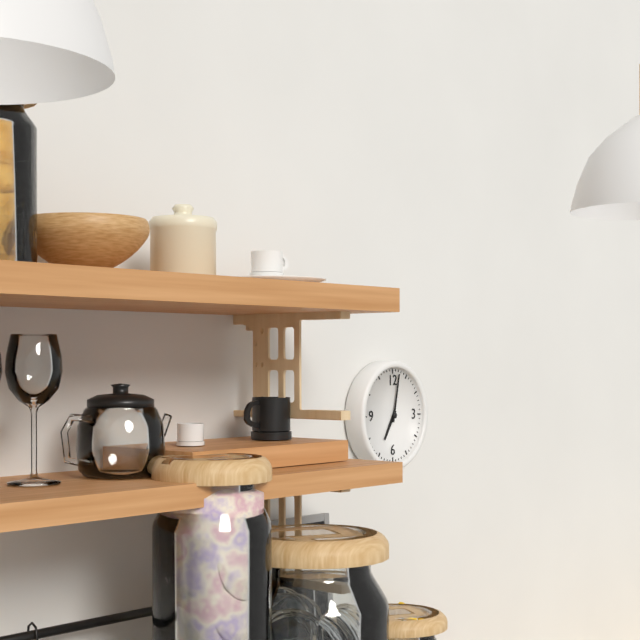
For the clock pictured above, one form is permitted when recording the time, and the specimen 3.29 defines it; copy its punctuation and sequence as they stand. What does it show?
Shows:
7.02
